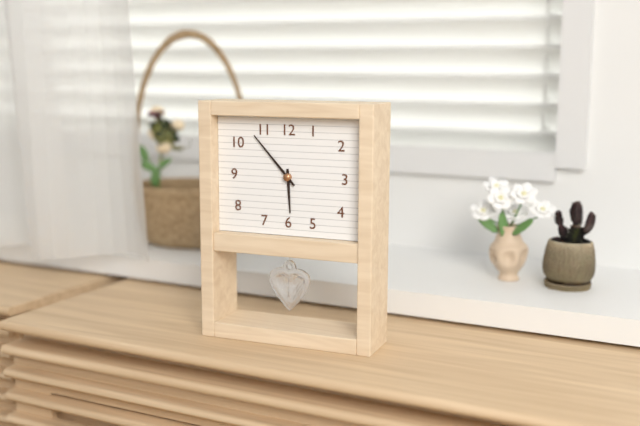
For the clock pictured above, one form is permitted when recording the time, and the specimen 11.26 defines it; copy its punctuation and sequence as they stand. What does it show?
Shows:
5.53
